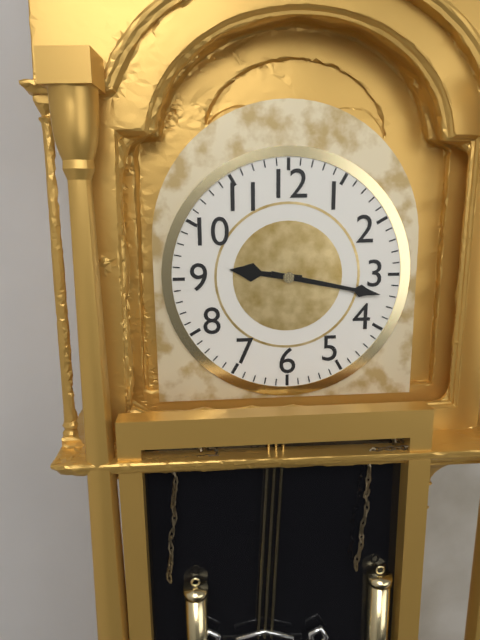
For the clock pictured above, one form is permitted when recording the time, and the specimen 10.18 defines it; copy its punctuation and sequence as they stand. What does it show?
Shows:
9.17
